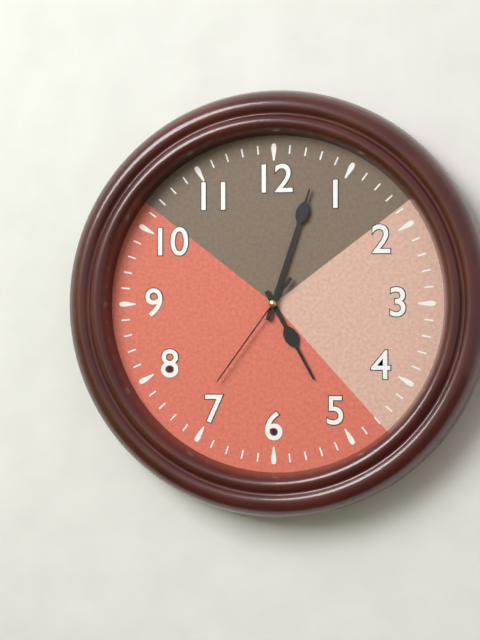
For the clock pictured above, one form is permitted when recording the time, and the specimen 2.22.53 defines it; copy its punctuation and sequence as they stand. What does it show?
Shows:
5.03.36
